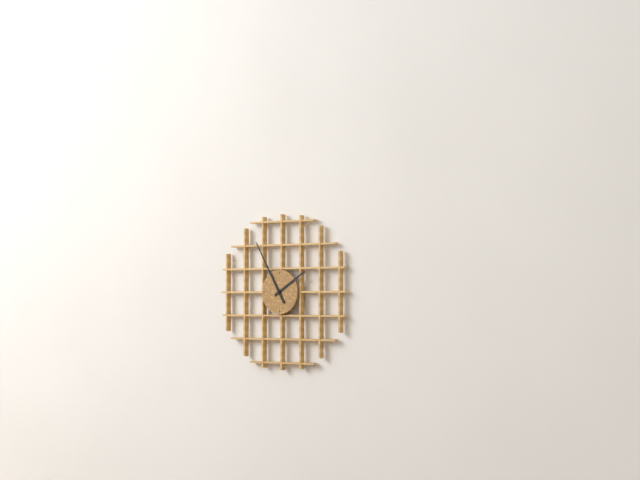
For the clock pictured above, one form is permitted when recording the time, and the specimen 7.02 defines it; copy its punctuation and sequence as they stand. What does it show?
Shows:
1.55
